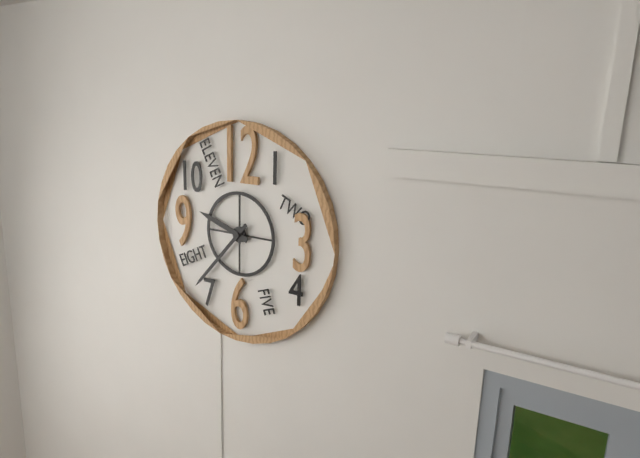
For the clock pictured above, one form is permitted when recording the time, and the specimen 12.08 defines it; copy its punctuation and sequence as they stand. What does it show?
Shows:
9.37
